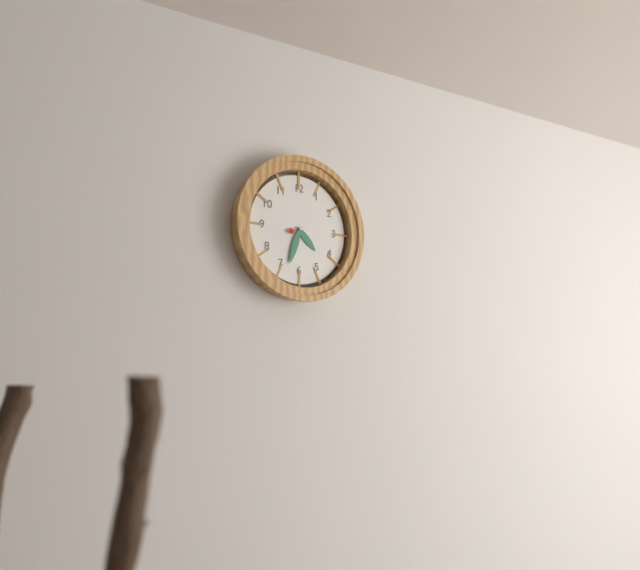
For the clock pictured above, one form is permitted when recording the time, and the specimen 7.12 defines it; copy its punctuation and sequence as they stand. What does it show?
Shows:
4.33
